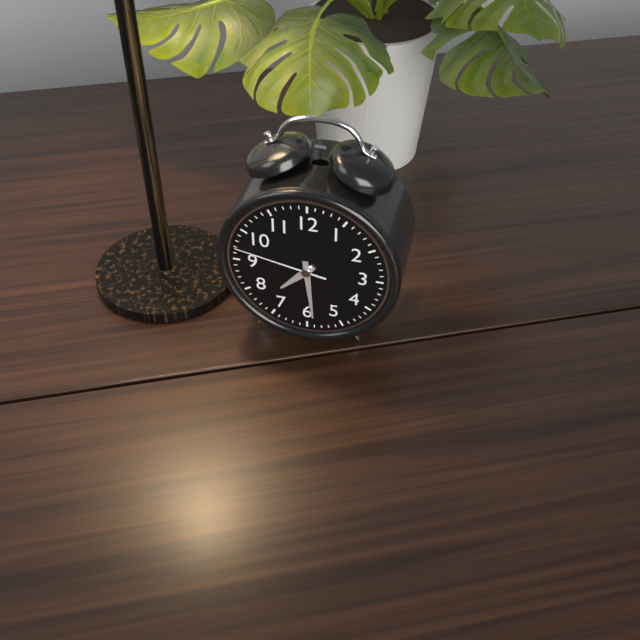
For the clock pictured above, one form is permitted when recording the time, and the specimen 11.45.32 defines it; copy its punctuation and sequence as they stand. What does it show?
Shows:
7.29.47
